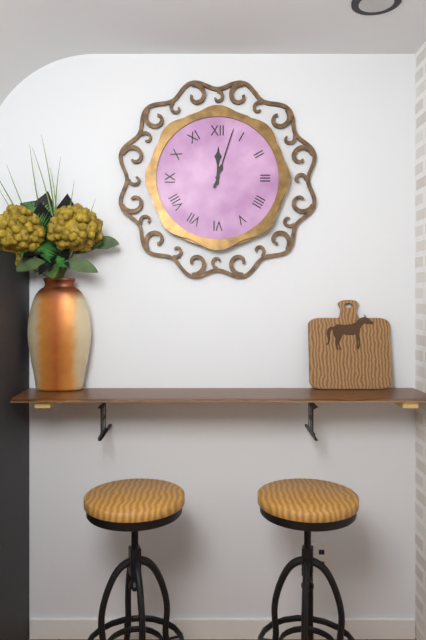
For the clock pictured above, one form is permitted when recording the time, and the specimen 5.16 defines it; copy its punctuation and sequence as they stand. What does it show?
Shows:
12.03
